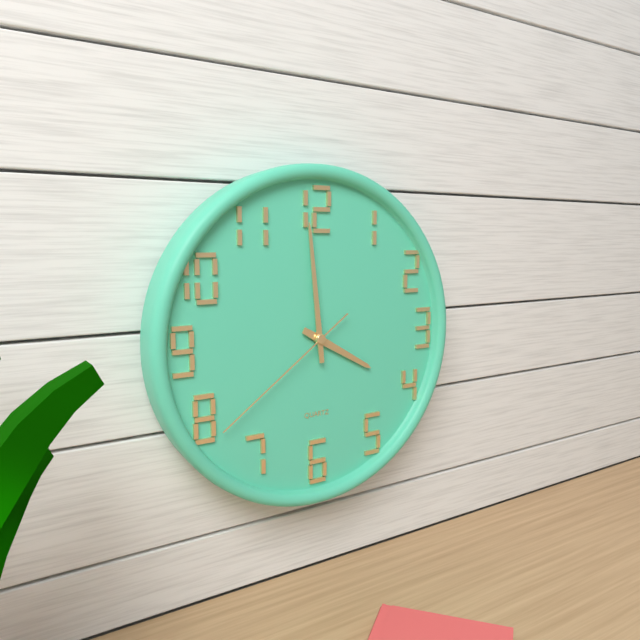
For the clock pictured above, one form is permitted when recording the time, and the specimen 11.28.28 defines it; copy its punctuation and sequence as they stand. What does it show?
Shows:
3.59.39
